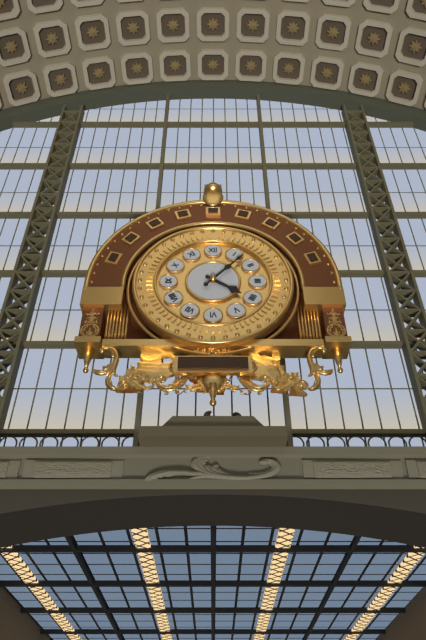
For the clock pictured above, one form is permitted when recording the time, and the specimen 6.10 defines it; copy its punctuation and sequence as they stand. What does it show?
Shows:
4.07
